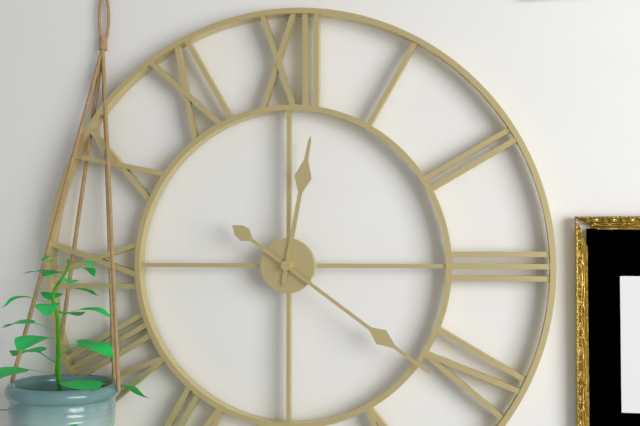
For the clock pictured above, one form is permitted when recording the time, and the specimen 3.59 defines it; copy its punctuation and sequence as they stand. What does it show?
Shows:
12.21
